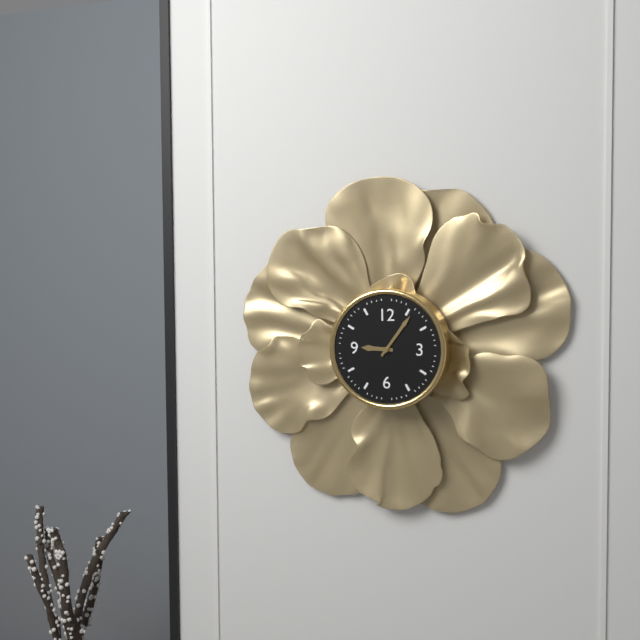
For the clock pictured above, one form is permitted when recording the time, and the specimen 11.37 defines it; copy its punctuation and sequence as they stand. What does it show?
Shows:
9.06
